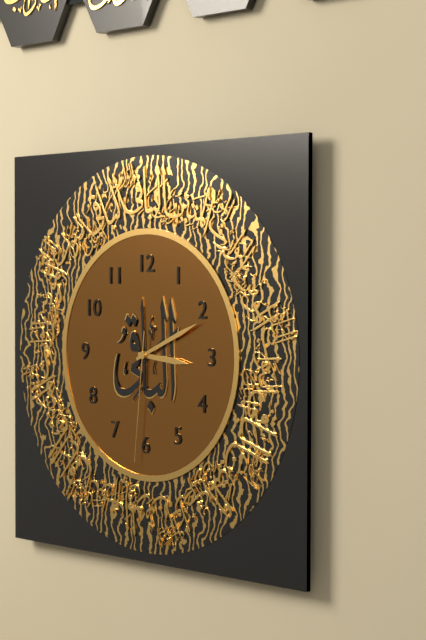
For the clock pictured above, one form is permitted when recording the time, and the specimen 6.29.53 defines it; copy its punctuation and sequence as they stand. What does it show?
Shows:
3.11.31
